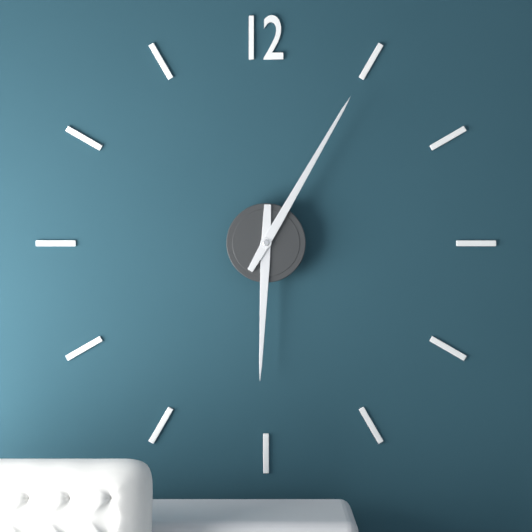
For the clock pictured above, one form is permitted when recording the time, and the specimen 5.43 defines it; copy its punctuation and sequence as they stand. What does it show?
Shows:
6.05
